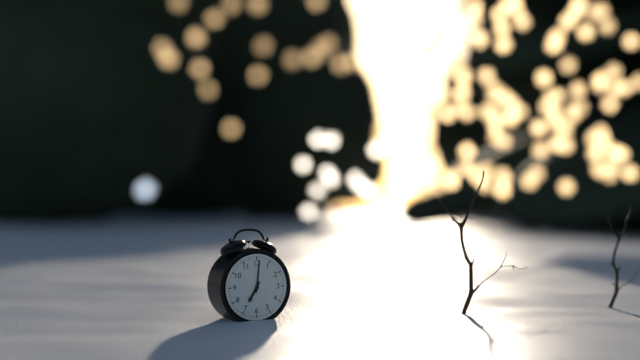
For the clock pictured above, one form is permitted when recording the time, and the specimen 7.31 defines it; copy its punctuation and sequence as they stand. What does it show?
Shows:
7.01
